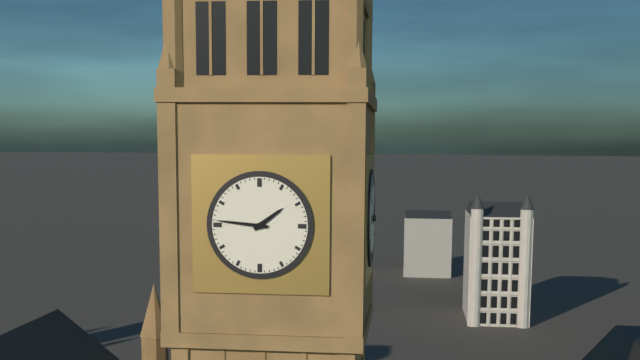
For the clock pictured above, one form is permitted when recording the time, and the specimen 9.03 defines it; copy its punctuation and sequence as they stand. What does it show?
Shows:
1.46
